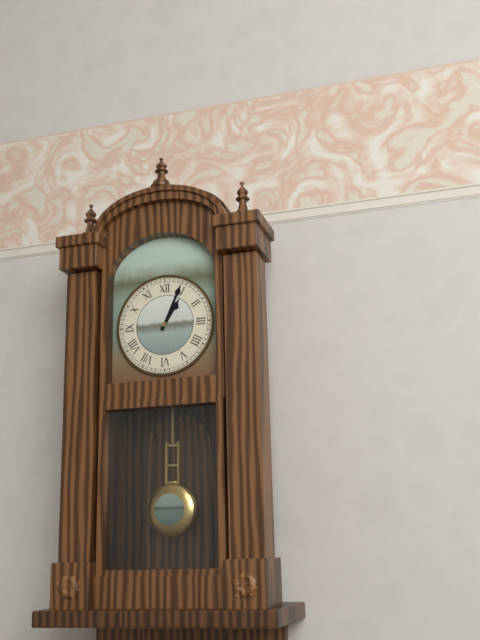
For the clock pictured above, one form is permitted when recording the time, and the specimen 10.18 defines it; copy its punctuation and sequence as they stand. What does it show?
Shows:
1.04
